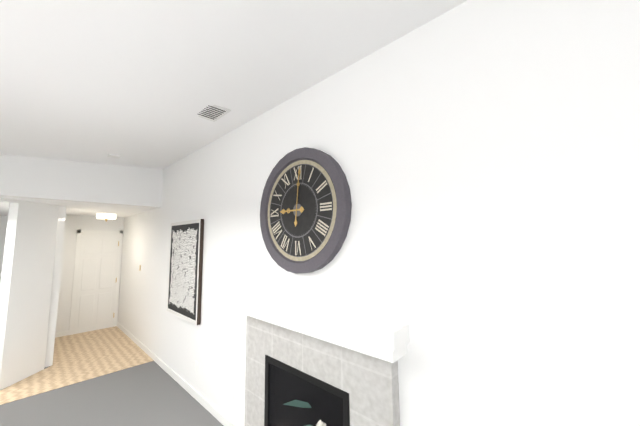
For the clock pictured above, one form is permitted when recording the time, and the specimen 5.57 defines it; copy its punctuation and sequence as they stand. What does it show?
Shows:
9.01
